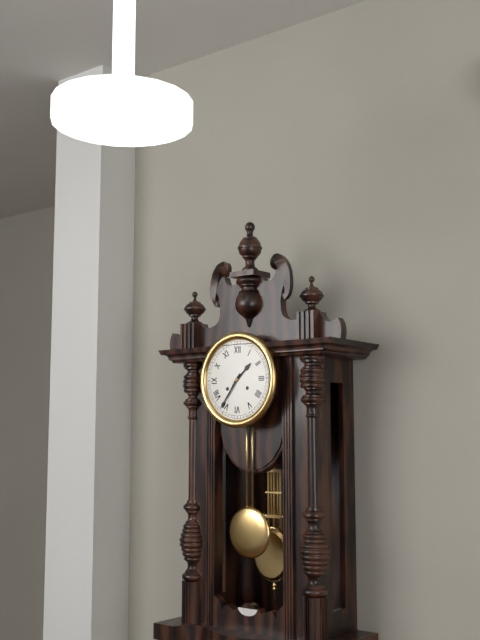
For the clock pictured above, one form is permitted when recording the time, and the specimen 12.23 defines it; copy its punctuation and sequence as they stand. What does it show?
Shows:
1.36
